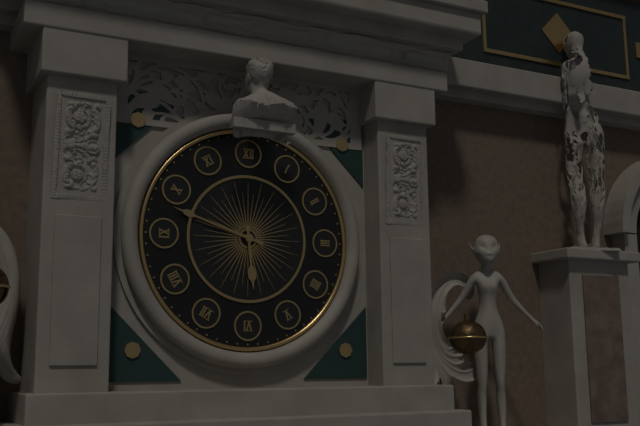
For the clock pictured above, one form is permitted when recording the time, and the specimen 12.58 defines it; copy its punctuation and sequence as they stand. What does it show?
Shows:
5.48
